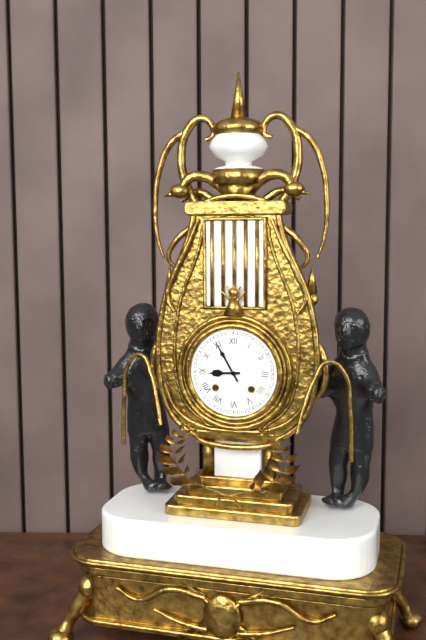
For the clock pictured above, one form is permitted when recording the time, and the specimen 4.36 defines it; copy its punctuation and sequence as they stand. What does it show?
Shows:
8.55
